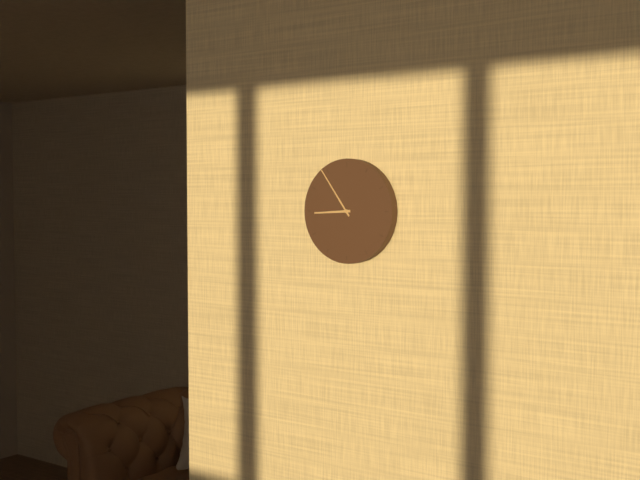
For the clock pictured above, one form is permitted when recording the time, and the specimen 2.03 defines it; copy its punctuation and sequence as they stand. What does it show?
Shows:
8.54
